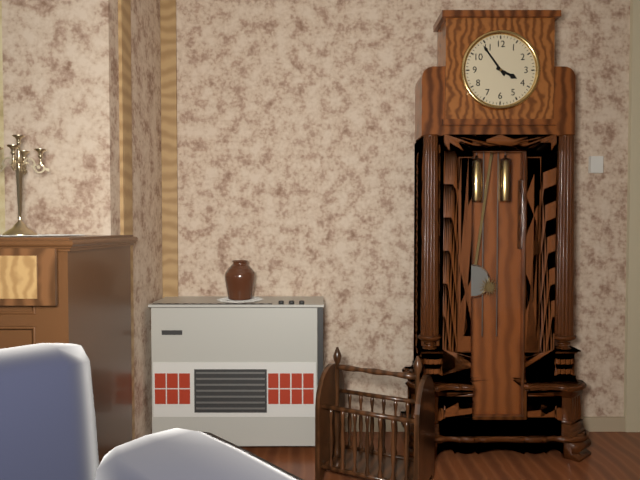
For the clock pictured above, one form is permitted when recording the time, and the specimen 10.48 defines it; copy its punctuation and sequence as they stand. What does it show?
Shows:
3.54
